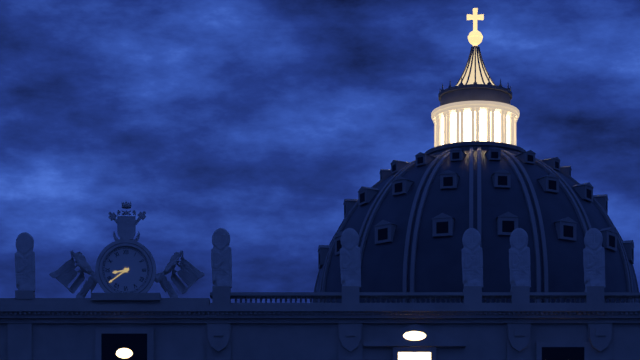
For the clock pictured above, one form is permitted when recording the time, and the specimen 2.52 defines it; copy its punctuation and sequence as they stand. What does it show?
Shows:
8.39
